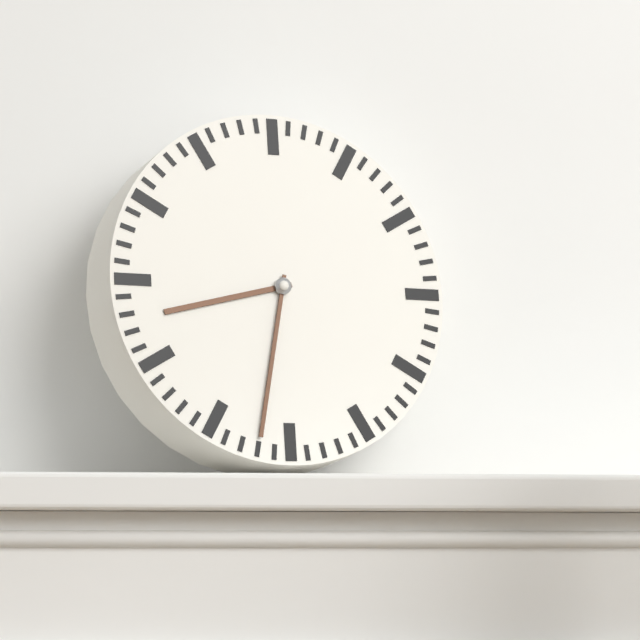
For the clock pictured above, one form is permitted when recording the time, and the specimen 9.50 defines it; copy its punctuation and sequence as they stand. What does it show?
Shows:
8.32
